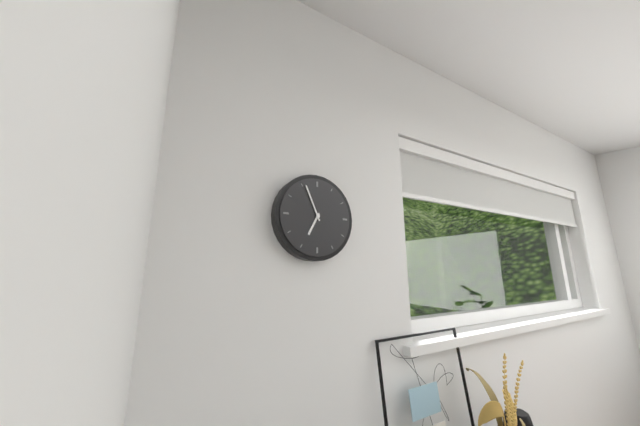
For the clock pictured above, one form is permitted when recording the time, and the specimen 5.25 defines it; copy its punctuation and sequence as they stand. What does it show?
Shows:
6.56
